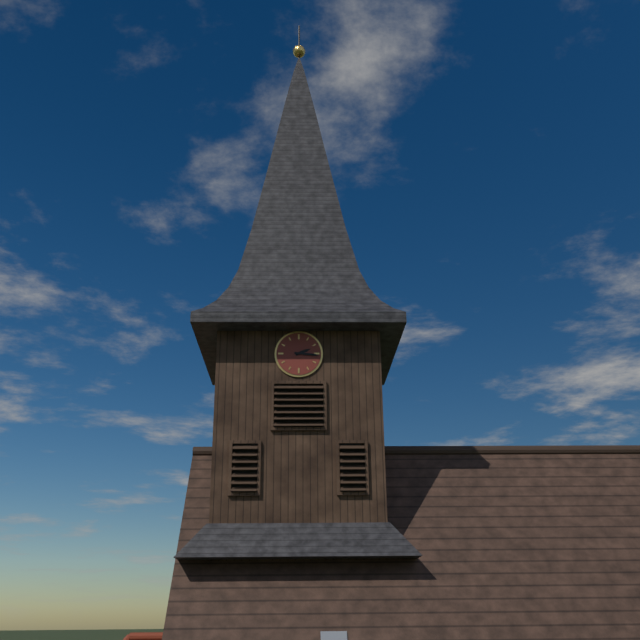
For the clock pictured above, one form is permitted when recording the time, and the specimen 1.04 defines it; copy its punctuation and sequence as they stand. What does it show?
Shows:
2.16
